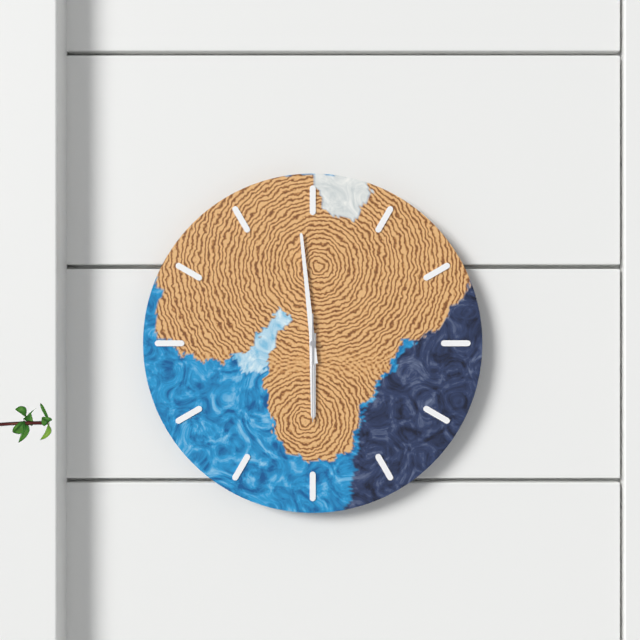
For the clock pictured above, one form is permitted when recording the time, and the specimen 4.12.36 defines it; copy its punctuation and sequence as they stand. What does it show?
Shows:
5.59.30
